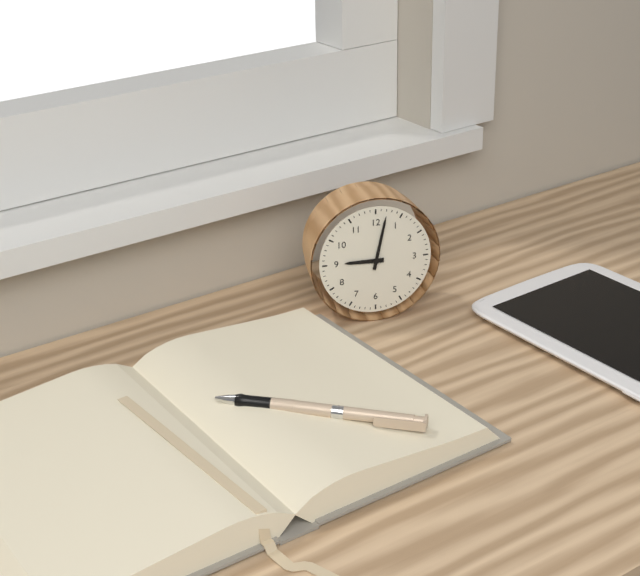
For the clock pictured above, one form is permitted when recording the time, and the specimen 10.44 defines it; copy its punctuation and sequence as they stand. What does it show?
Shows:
9.02
